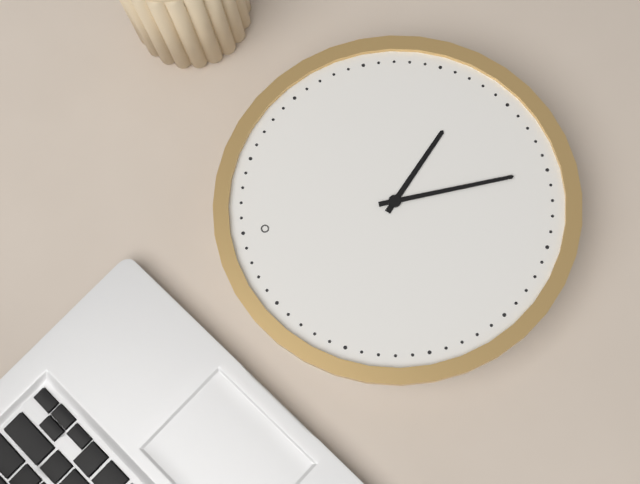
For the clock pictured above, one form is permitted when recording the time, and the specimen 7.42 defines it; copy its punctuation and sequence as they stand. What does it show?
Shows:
4.30
